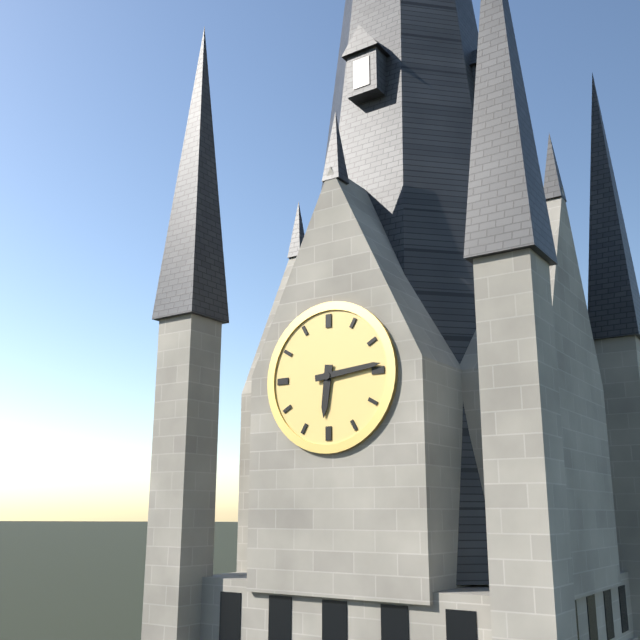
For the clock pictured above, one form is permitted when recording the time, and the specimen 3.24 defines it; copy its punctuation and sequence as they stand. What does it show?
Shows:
6.14
